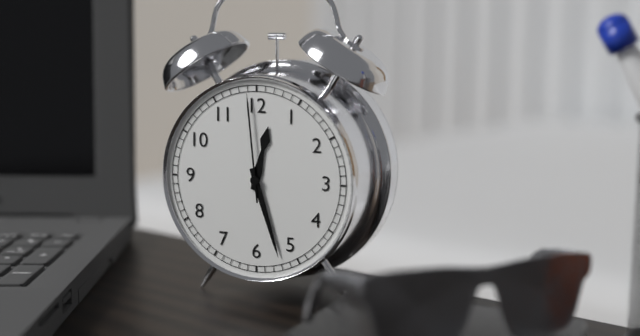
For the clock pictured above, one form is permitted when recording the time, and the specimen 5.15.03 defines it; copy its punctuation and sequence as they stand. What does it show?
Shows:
12.27.59
